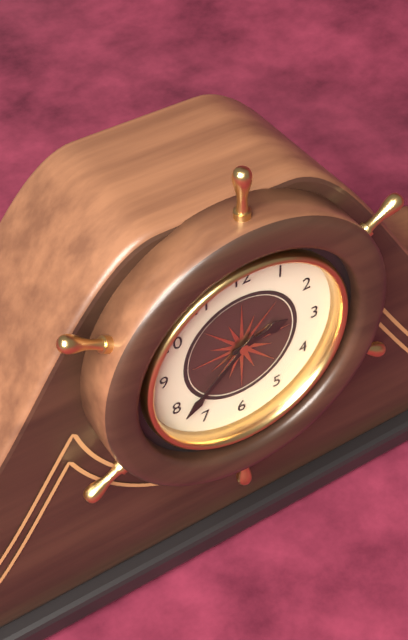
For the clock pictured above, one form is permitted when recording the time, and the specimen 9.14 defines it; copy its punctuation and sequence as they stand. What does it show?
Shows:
2.38
